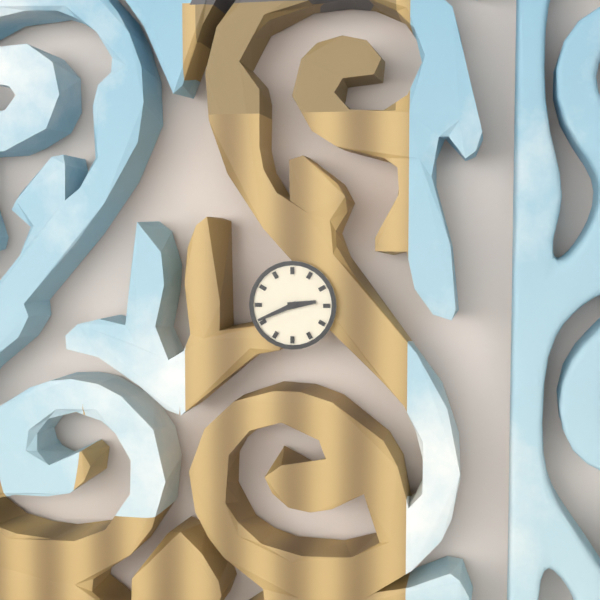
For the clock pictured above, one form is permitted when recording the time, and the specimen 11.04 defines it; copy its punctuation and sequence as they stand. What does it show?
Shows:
2.41
